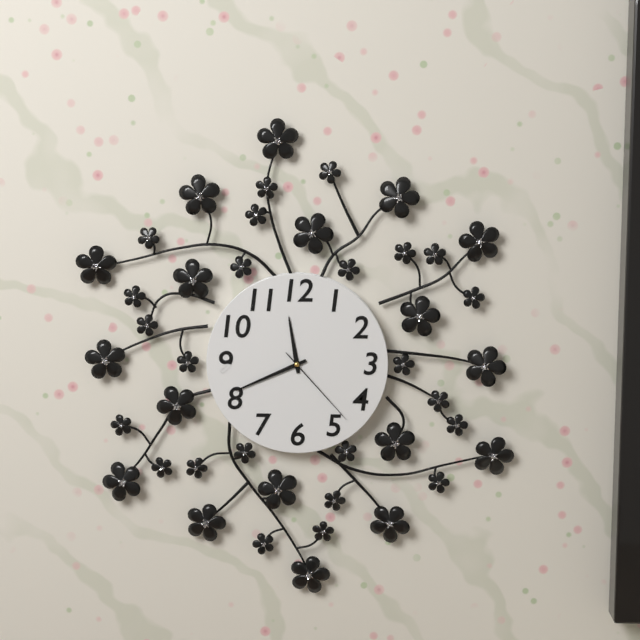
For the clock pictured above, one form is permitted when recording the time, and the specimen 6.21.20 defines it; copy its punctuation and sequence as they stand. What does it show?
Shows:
11.41.23
